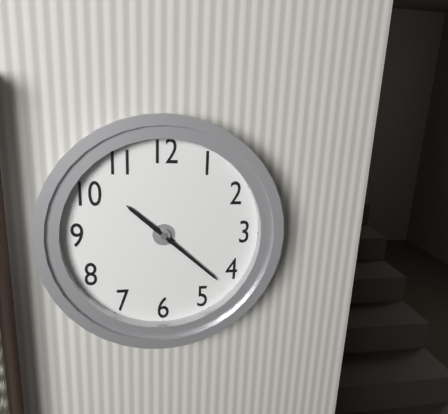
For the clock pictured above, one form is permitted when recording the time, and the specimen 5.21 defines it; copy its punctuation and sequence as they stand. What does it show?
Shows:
10.22
